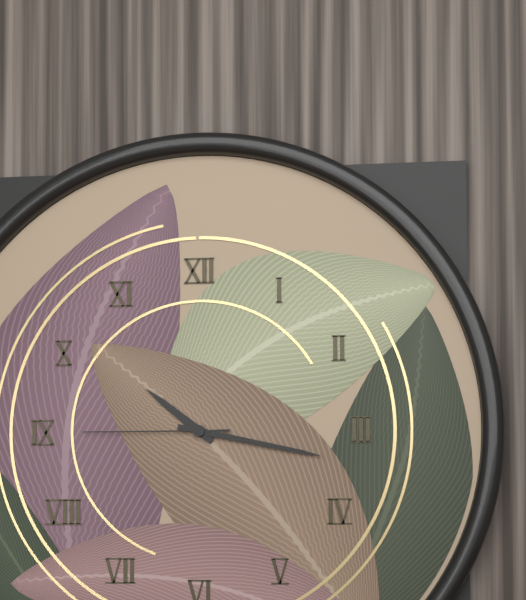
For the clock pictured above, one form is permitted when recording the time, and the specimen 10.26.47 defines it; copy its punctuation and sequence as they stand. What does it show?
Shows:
10.17.45
